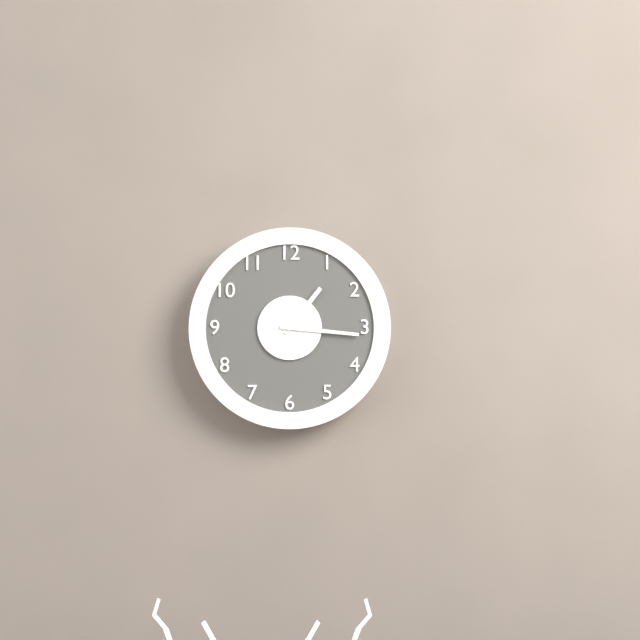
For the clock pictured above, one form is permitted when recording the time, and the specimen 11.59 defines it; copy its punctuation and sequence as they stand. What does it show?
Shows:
1.16
